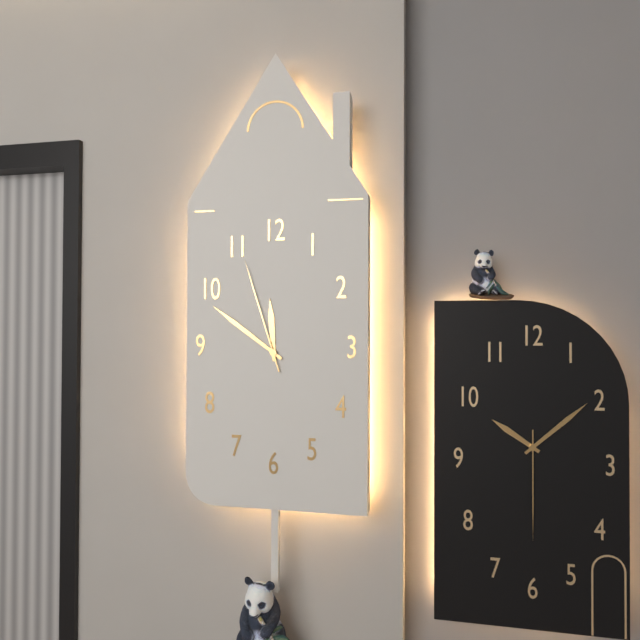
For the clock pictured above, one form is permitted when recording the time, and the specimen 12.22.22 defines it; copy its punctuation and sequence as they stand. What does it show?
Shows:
11.51.57
